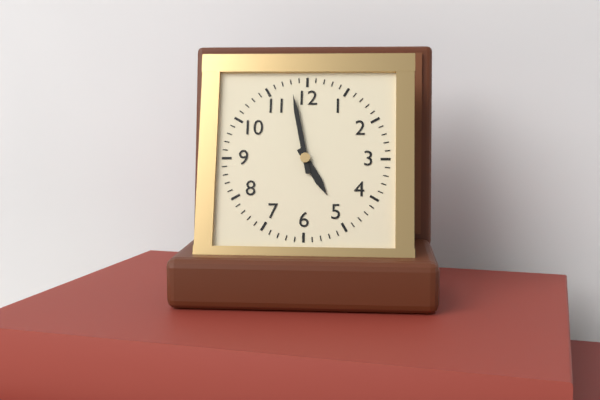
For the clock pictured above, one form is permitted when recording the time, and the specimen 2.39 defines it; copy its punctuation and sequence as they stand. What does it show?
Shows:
4.58
